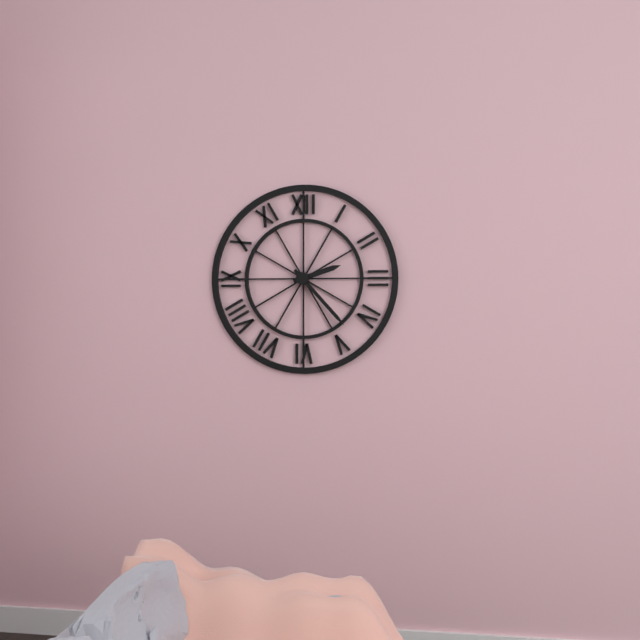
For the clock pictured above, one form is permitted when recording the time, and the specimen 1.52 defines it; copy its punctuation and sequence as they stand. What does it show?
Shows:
2.23
